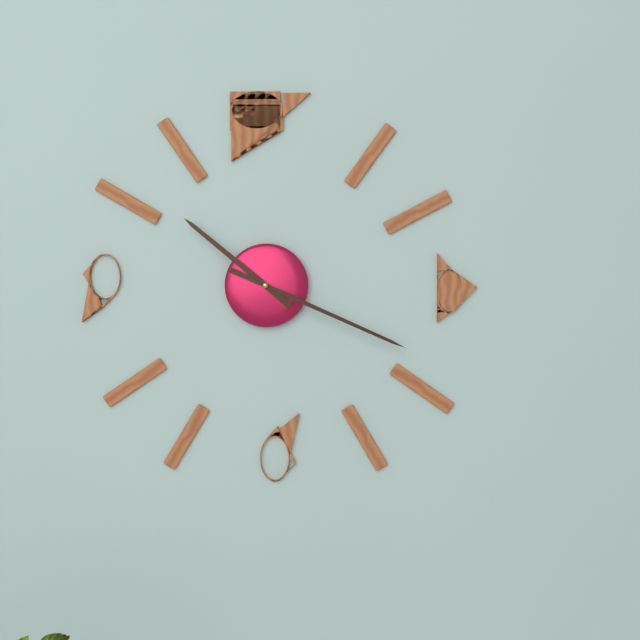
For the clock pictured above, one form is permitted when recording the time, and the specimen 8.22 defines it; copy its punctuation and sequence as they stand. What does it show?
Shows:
10.19
